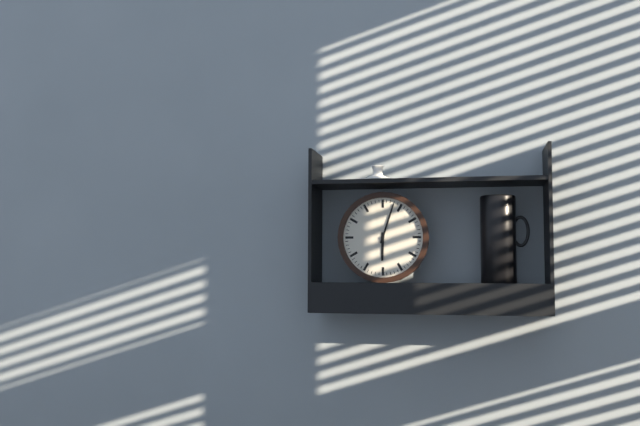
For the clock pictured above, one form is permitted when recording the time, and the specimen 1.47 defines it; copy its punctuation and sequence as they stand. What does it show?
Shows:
6.03
